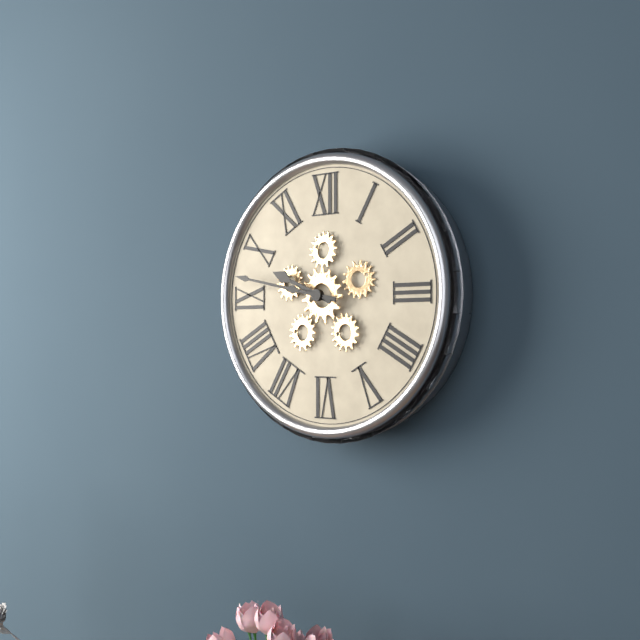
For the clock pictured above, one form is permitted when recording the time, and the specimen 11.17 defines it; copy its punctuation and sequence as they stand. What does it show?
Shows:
9.47
